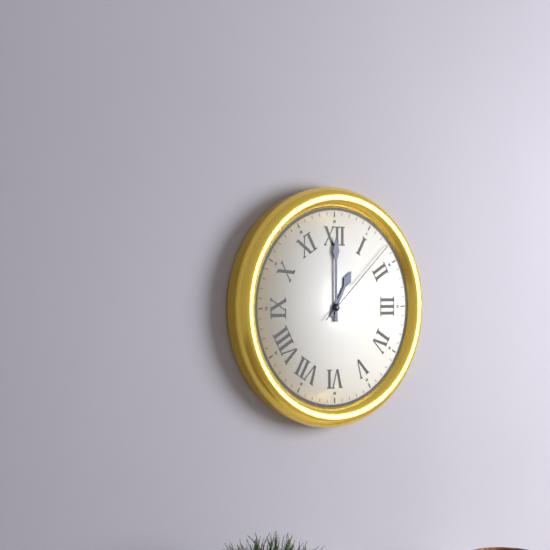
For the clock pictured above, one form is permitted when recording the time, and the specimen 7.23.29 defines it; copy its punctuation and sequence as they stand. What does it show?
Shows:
1.00.08
